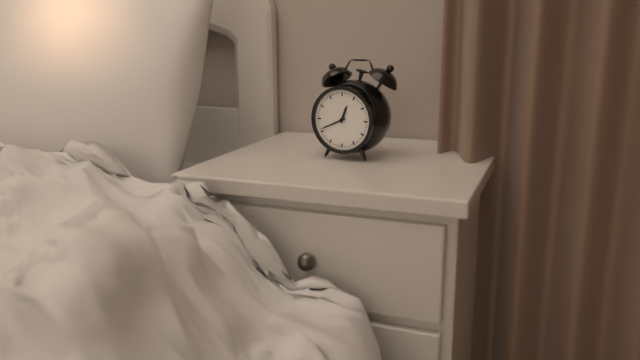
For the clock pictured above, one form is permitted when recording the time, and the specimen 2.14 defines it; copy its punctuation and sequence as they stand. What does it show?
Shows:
12.41
